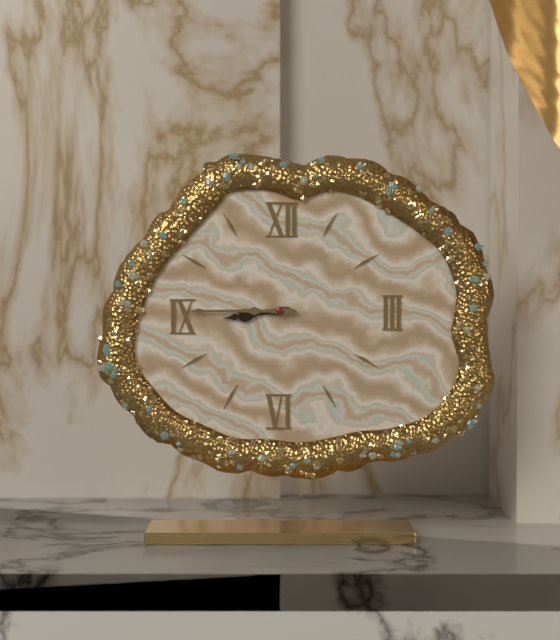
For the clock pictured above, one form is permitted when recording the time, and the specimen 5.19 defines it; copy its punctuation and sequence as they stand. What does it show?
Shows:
8.45
